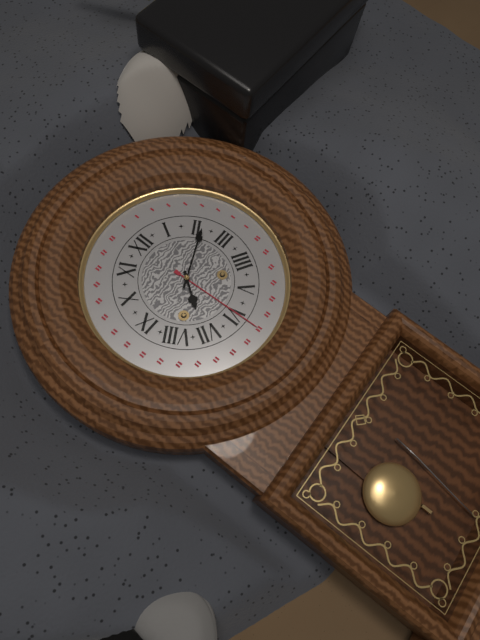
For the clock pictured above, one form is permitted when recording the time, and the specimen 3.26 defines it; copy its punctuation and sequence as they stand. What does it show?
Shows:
7.11
